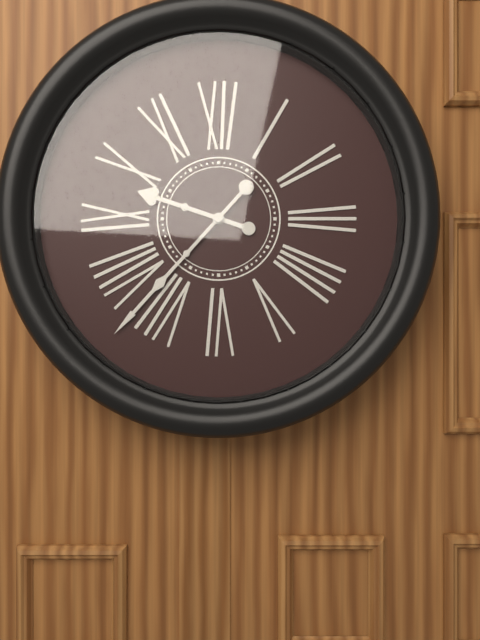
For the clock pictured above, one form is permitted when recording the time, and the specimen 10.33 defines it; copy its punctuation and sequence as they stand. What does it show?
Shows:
9.37
